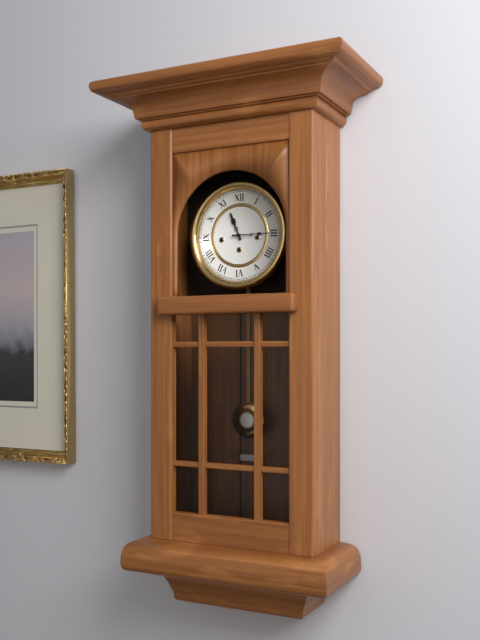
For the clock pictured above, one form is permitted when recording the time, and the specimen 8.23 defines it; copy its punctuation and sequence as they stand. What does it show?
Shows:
11.15
